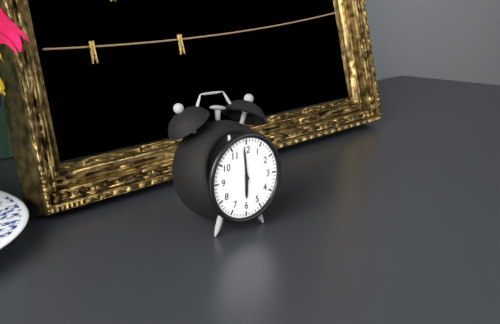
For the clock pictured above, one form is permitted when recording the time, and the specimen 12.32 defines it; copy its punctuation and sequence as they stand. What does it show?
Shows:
5.59
